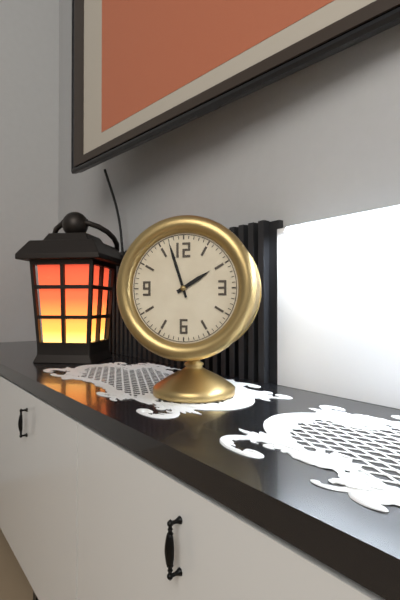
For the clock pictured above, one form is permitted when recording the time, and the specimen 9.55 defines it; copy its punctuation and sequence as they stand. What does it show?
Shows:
1.57
